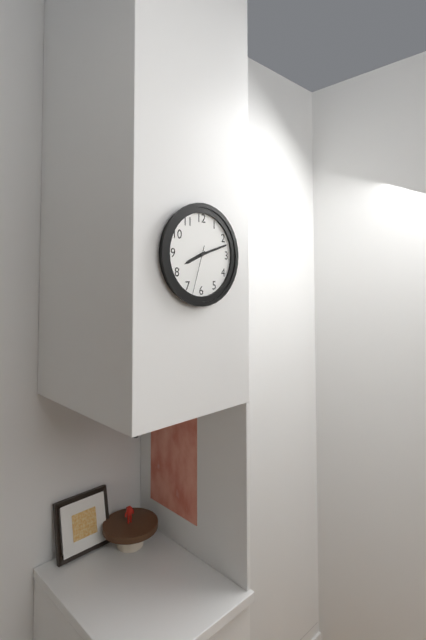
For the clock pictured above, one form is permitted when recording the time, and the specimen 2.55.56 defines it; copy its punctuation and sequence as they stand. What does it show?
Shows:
8.12.33
